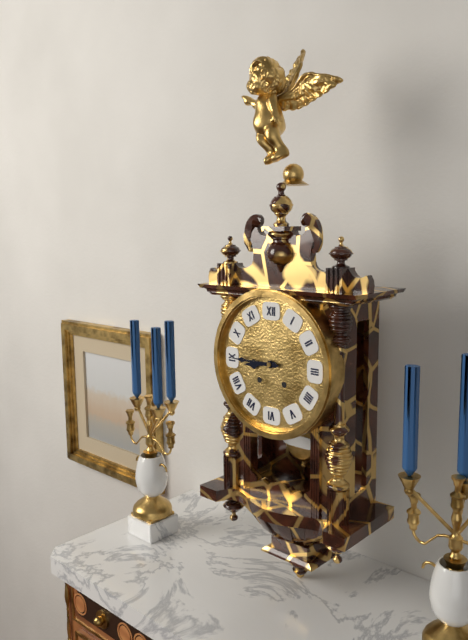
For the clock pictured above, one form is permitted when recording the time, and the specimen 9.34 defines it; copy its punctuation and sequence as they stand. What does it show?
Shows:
8.45
